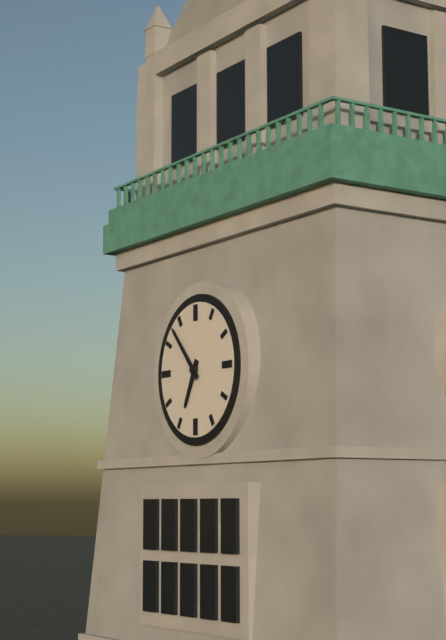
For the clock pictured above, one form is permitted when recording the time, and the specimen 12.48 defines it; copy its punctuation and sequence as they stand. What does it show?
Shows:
6.53
